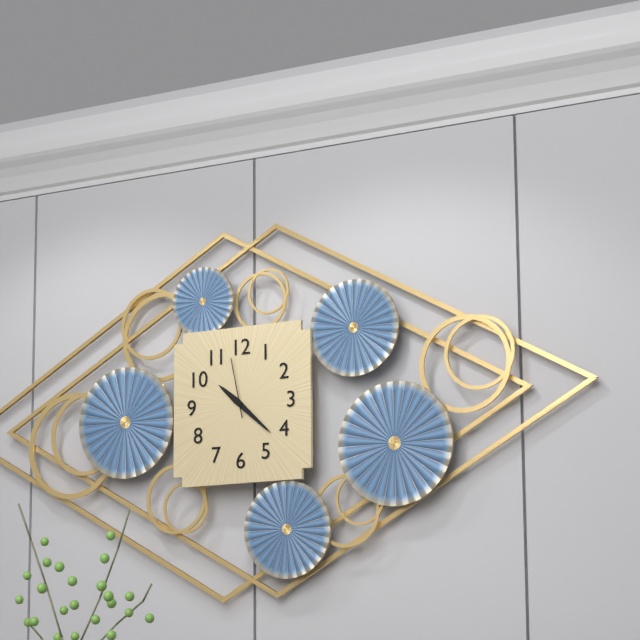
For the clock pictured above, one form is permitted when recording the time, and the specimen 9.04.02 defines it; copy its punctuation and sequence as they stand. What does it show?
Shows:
10.22.58
